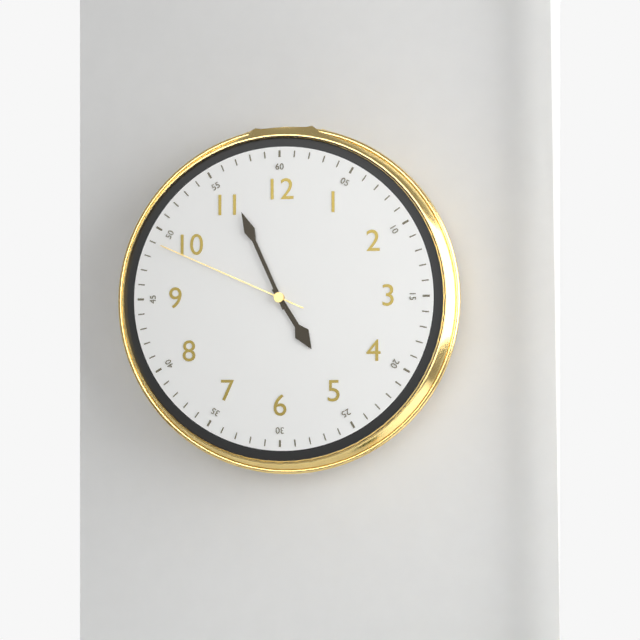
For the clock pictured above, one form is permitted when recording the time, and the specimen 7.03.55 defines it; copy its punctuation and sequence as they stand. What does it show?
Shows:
4.56.49
